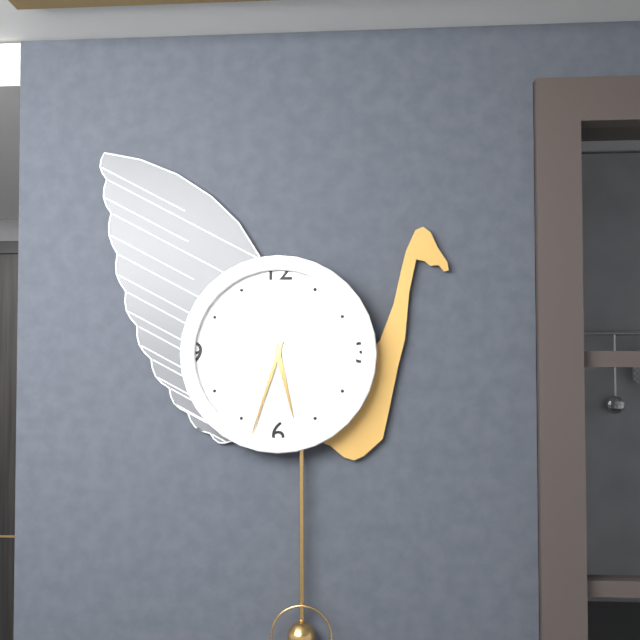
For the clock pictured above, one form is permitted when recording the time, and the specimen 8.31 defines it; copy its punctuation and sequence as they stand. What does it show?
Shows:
5.33
